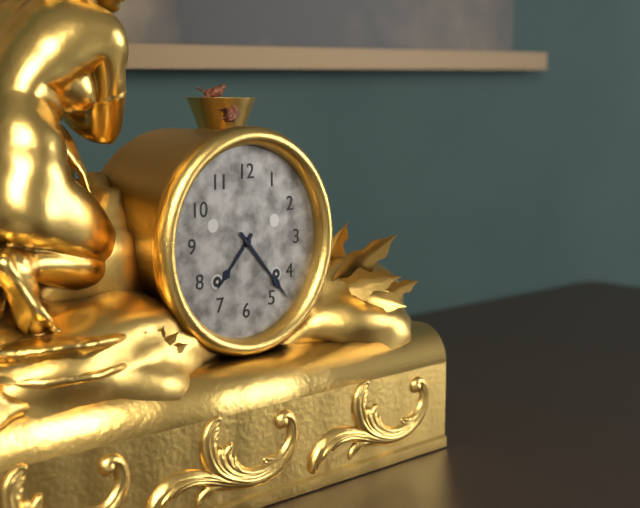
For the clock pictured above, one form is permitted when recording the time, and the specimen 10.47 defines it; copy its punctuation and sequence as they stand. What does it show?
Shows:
7.23
